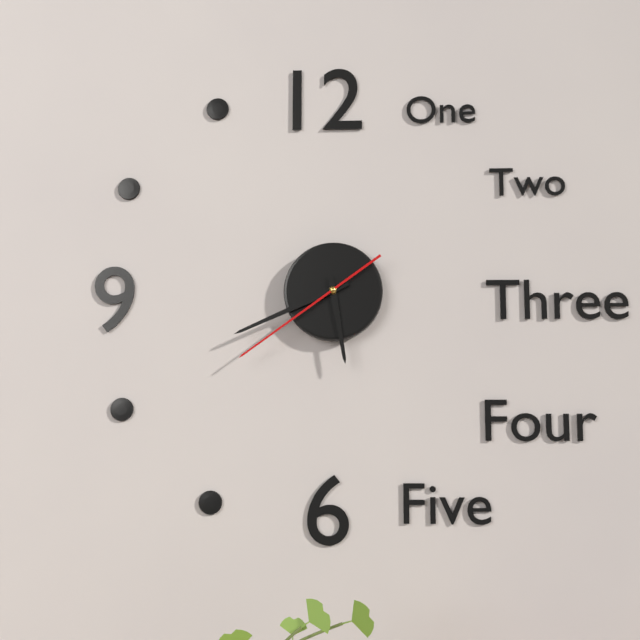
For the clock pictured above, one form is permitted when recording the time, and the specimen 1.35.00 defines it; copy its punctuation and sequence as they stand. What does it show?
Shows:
5.41.39
